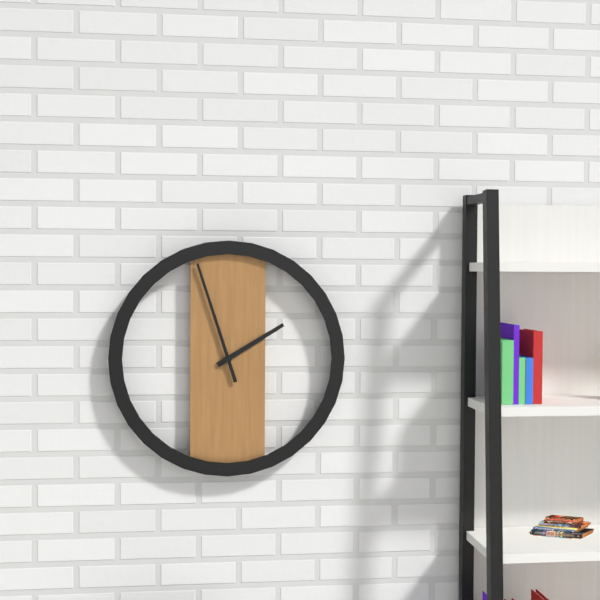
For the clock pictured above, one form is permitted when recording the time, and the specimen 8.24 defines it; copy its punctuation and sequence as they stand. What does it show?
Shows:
1.57
